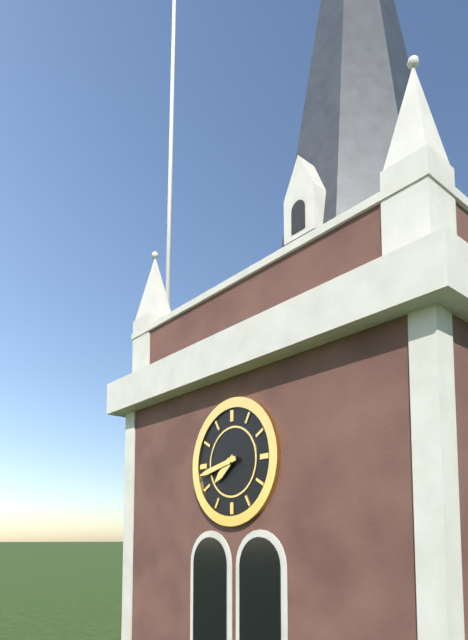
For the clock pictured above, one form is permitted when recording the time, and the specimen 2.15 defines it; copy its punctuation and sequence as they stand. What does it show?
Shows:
7.43
